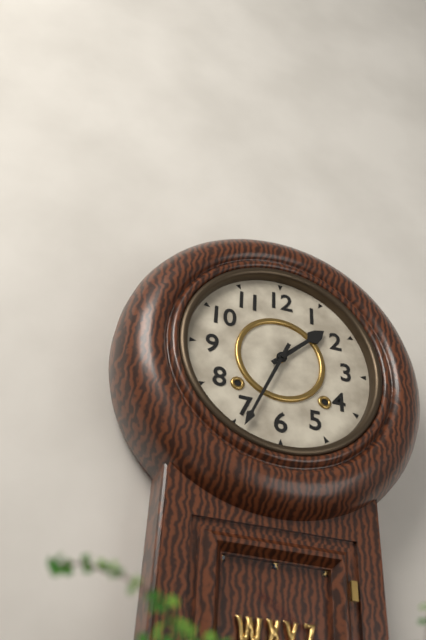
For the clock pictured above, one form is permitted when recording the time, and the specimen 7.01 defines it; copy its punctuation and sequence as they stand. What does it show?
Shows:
1.34
